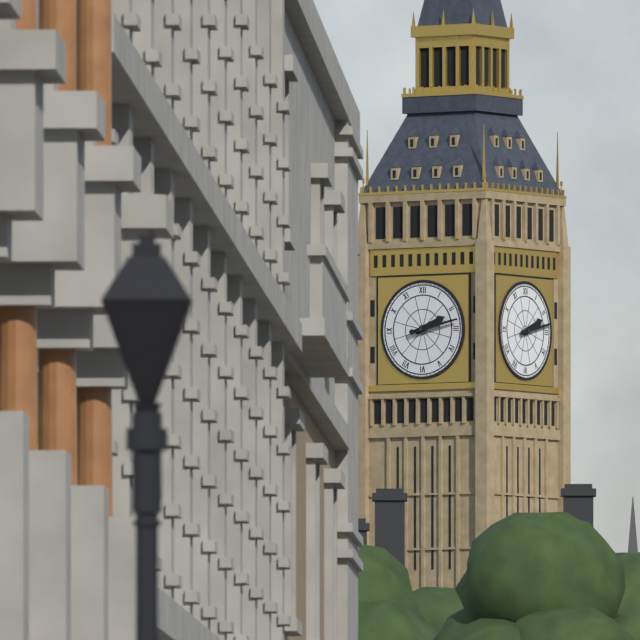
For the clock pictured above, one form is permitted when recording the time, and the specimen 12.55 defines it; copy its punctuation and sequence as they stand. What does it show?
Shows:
2.13
